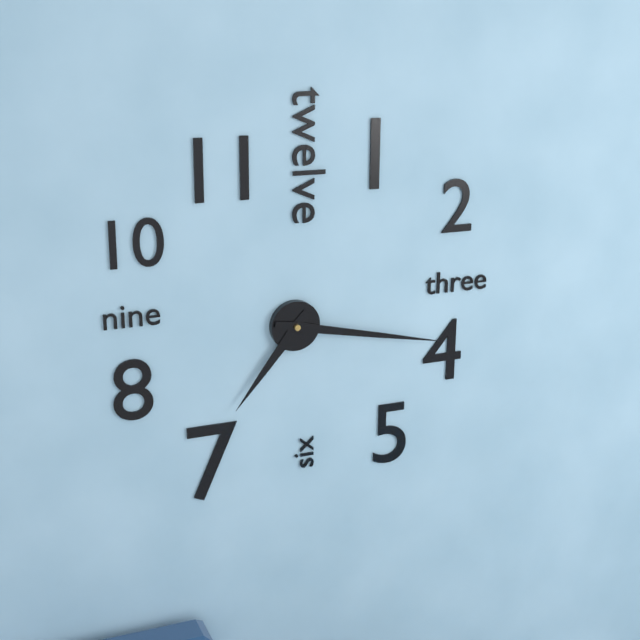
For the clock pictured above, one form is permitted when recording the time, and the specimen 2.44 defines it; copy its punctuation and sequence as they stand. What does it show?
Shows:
7.17
